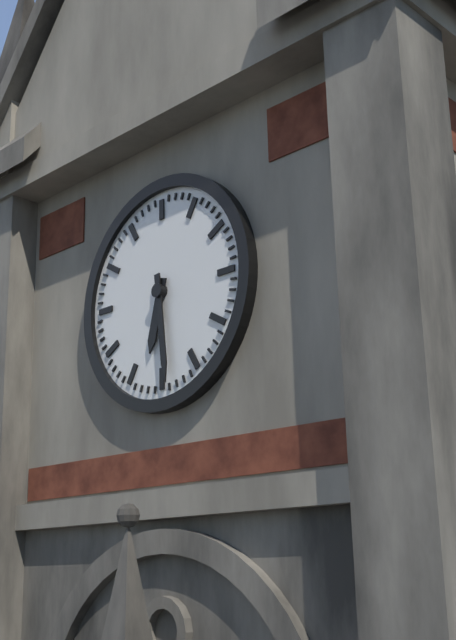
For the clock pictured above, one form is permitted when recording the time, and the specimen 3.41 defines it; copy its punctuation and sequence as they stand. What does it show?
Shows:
6.29
